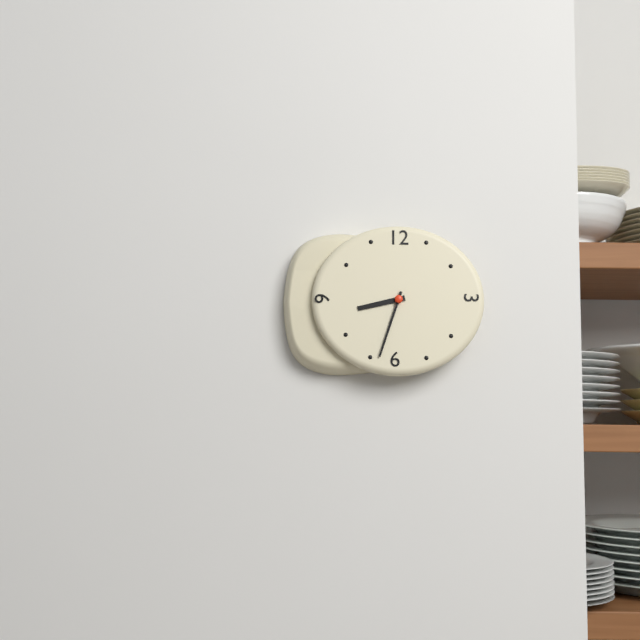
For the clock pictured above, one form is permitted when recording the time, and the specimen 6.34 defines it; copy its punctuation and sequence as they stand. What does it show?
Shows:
8.33
